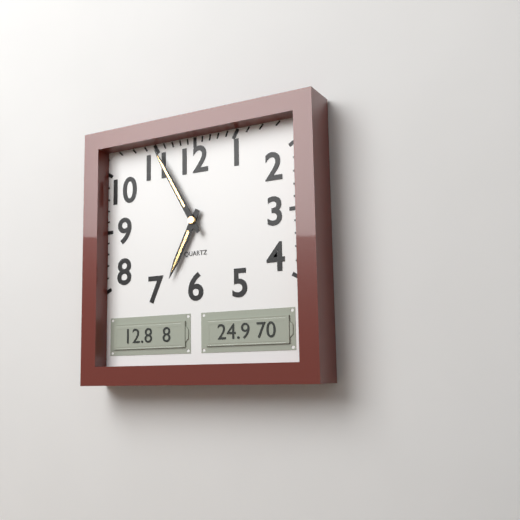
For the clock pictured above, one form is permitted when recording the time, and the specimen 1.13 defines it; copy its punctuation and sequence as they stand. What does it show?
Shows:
6.55
